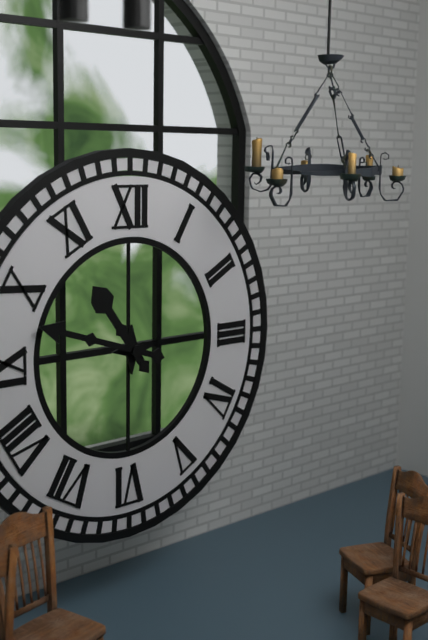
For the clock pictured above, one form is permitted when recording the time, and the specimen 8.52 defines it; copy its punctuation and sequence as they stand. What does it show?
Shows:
10.48
